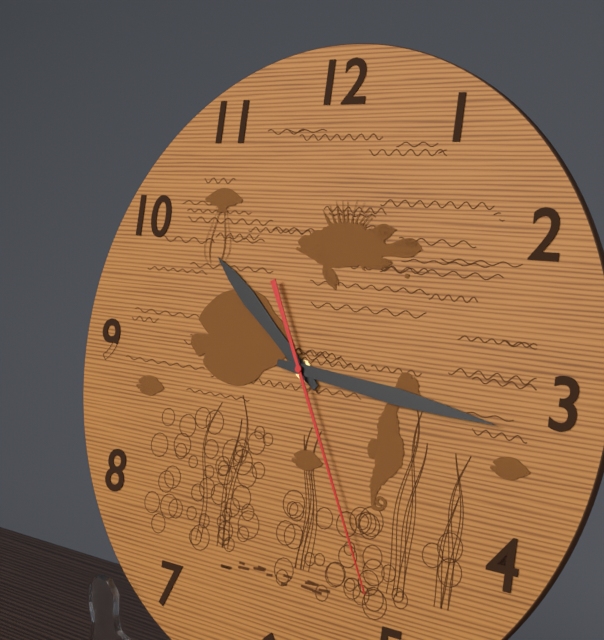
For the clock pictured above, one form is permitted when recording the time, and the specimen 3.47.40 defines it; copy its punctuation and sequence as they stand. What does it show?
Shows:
10.16.25
